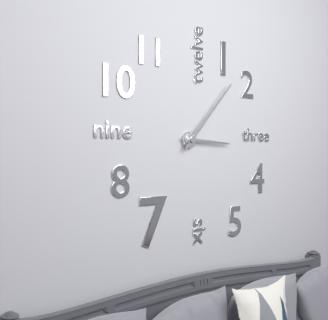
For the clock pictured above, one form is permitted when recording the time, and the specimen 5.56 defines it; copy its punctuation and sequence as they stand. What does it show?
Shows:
3.07
